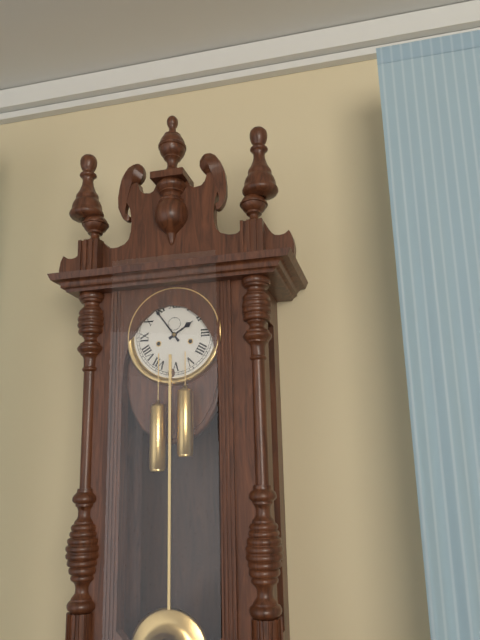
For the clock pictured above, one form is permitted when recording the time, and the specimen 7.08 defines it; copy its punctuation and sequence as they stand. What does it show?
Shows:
1.54
